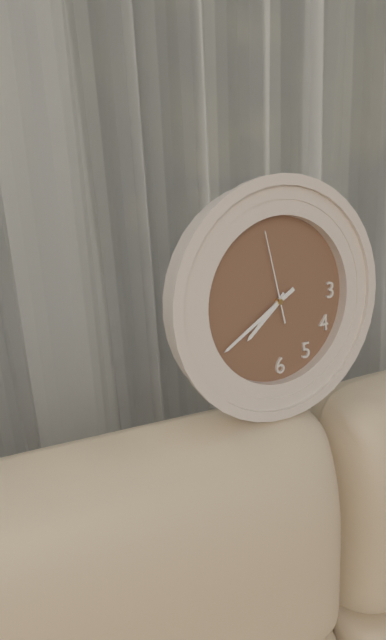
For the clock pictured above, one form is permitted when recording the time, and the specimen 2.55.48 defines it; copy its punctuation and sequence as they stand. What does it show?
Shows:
7.40.58
